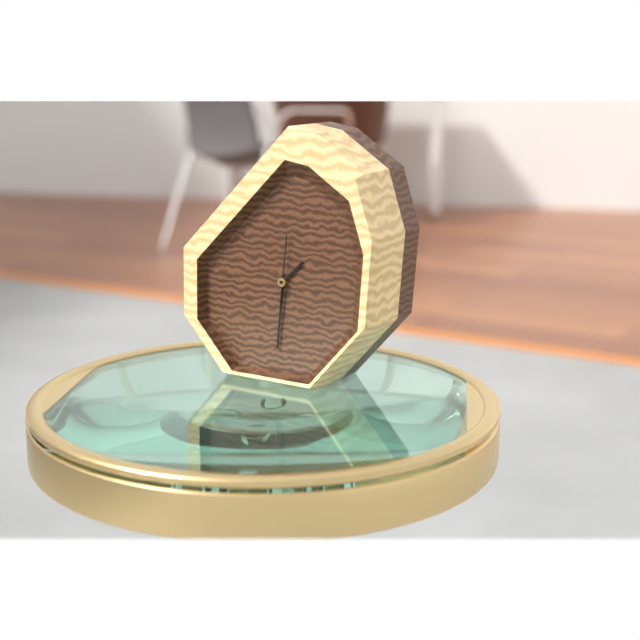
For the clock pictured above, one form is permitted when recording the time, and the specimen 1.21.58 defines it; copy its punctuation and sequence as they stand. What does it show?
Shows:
1.31.01
